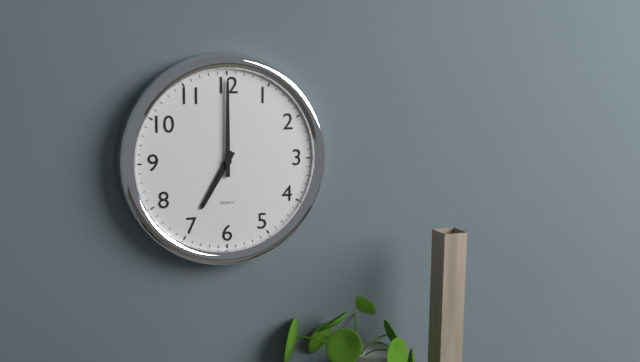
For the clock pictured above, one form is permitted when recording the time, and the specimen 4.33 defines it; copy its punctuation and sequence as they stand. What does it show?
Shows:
7.00
